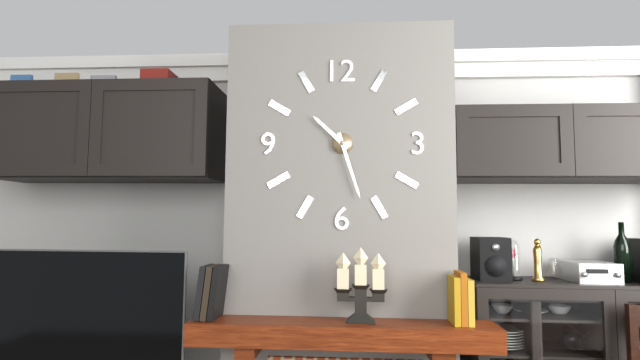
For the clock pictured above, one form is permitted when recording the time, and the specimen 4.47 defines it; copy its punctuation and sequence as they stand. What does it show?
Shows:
10.27
